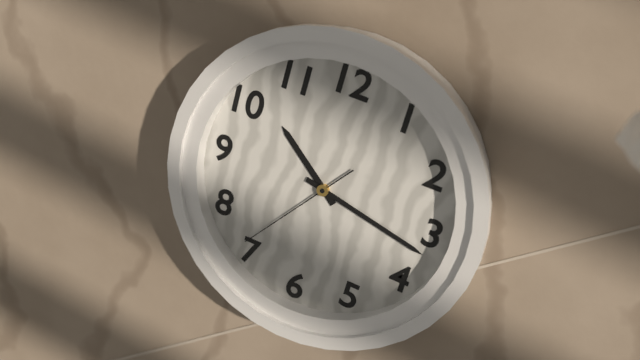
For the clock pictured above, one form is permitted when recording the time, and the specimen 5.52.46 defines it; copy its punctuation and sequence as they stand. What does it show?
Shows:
10.17.36
